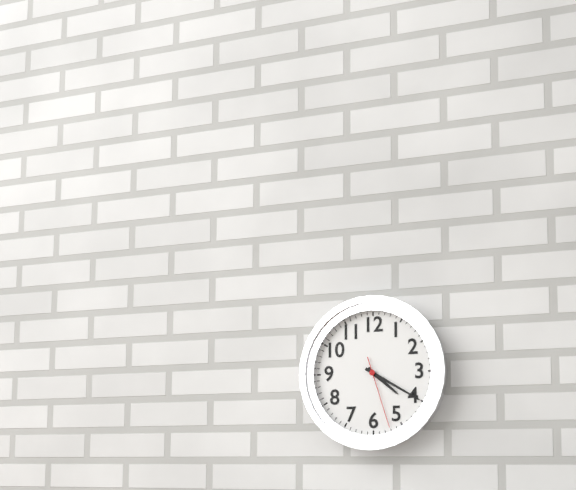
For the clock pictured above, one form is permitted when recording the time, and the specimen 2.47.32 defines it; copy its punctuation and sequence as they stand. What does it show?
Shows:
4.20.27
